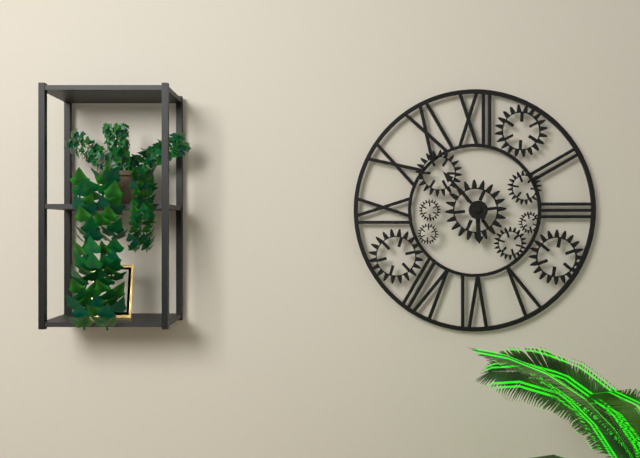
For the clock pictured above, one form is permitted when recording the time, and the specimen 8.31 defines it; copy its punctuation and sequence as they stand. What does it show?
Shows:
5.53
